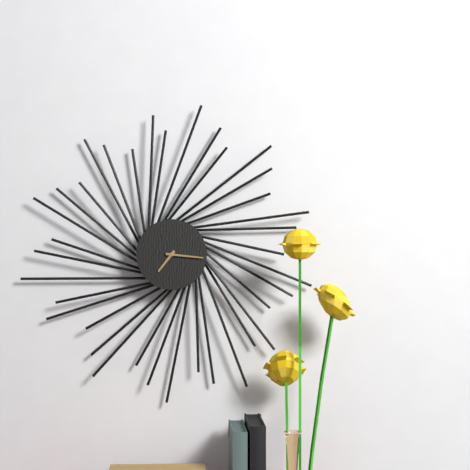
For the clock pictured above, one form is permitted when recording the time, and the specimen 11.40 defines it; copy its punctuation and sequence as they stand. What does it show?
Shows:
7.16
